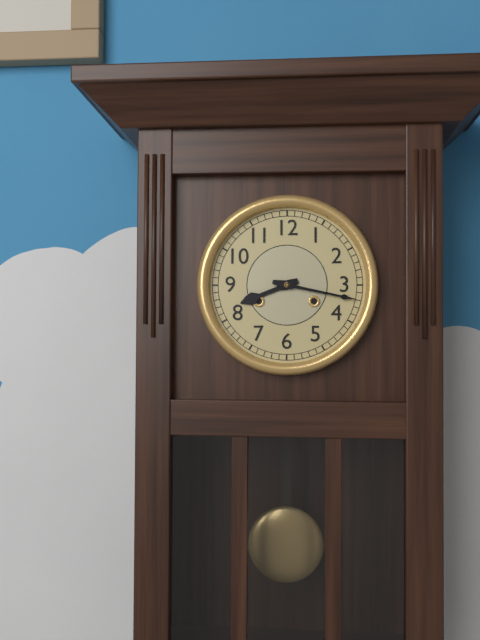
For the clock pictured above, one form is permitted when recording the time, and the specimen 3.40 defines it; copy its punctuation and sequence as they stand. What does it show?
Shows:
8.17
